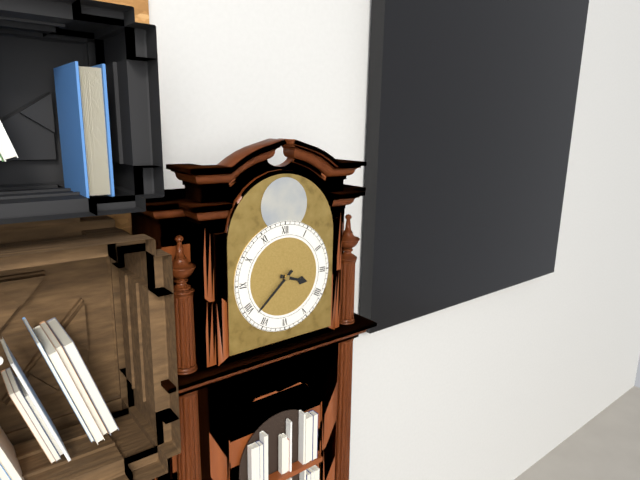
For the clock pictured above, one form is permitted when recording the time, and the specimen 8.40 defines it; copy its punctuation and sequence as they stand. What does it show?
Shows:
3.38
